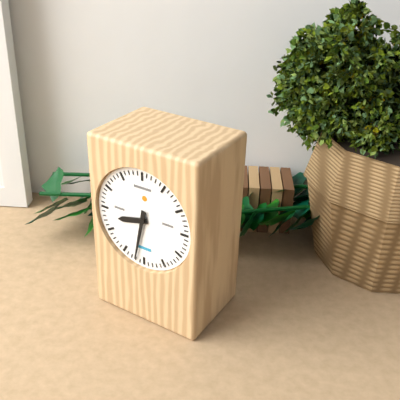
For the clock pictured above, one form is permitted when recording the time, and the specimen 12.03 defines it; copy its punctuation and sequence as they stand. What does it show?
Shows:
8.32
